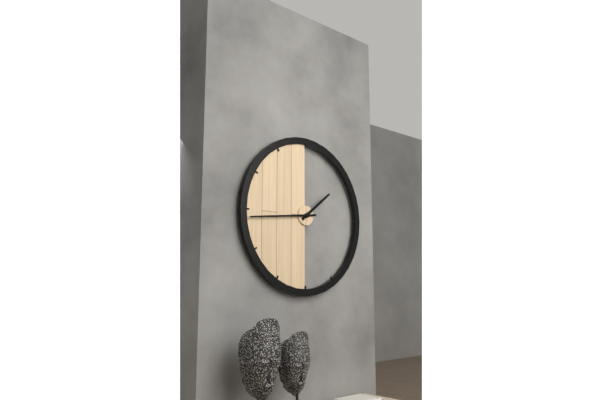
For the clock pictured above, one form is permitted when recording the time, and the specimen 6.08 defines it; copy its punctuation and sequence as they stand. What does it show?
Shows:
1.44
